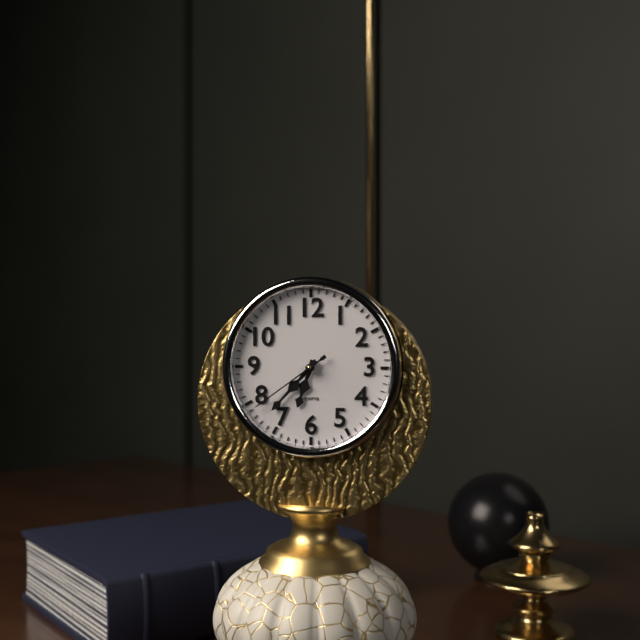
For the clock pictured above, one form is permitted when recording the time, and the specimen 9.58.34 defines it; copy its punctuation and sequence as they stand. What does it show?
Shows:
6.37.39
